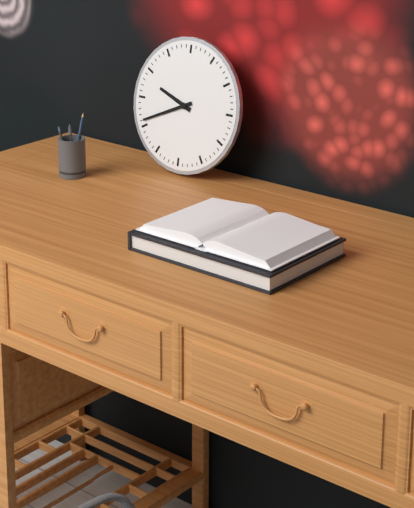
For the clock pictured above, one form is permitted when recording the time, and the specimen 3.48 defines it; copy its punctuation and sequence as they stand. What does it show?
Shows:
9.41
